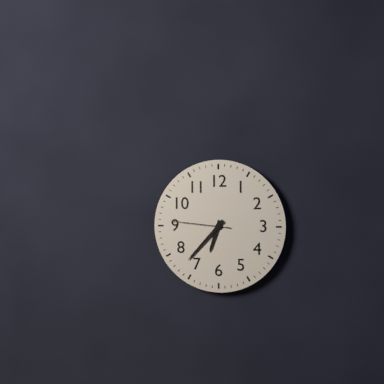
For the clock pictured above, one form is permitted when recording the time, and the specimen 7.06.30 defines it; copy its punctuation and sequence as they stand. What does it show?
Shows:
6.37.46
